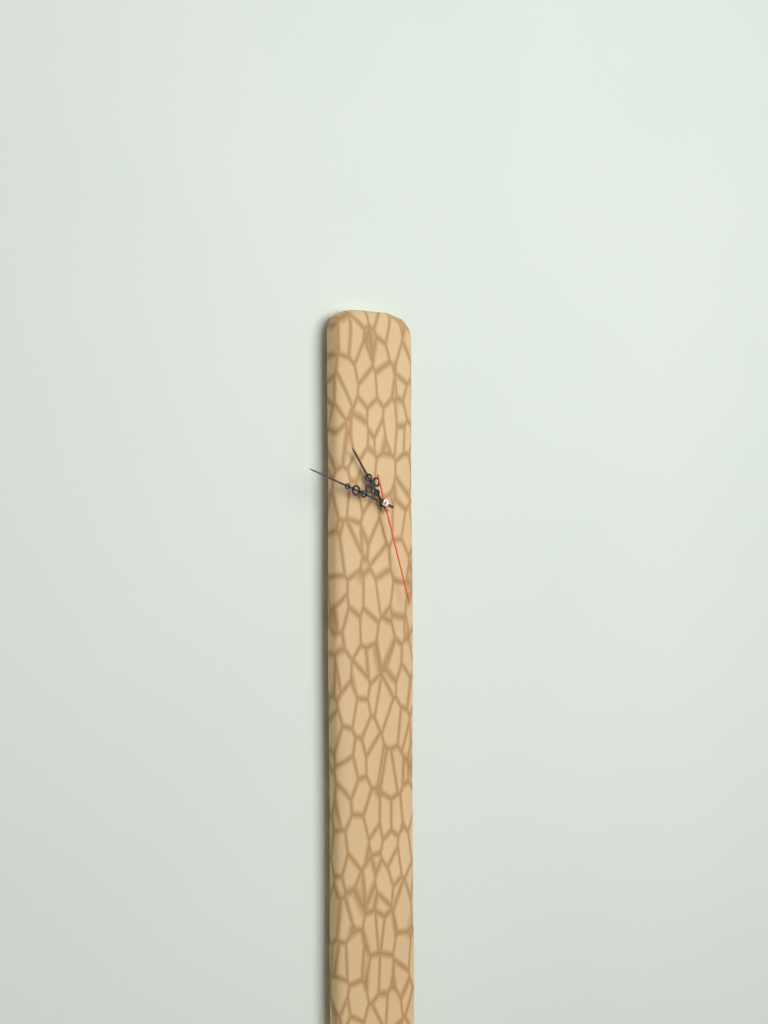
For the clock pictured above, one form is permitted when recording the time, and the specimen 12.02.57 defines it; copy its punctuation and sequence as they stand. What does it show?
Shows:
10.48.27
